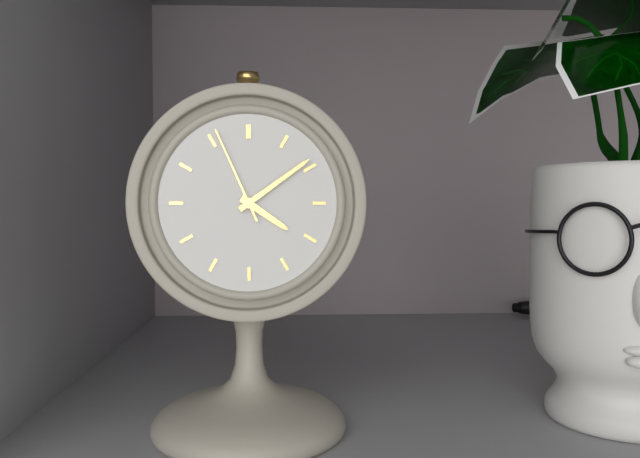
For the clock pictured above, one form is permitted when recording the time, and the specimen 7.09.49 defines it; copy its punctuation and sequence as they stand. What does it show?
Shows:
4.09.56
